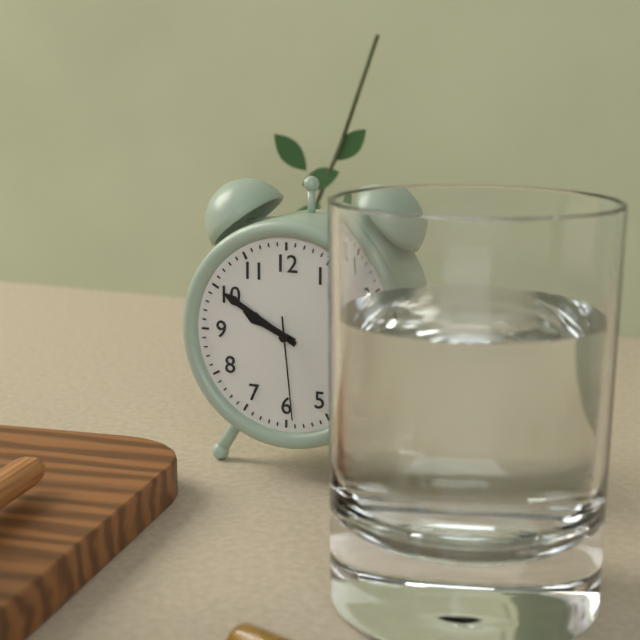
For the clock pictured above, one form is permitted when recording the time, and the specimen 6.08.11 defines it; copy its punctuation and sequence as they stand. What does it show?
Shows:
9.50.29
